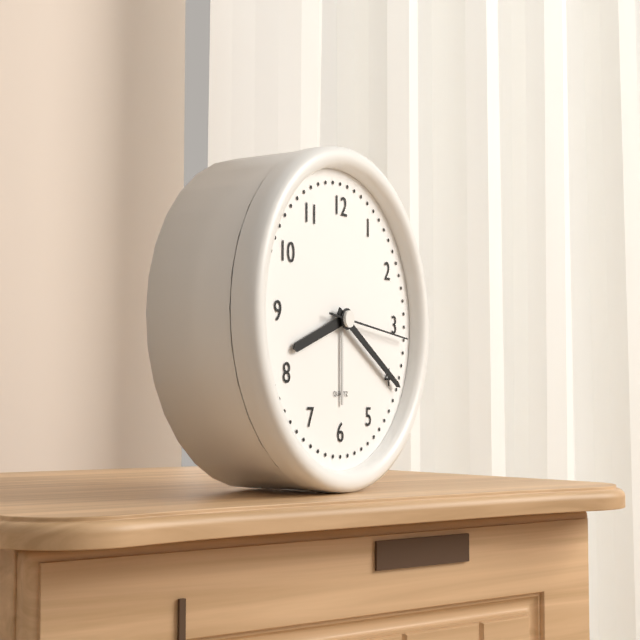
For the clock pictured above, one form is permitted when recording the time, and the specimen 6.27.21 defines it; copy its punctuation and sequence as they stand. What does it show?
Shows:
8.20.16
